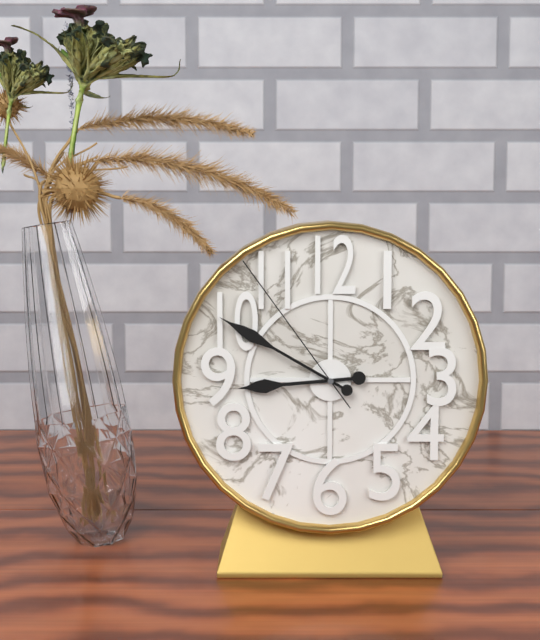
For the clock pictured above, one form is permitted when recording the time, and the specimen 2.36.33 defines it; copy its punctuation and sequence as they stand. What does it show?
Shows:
8.50.54
